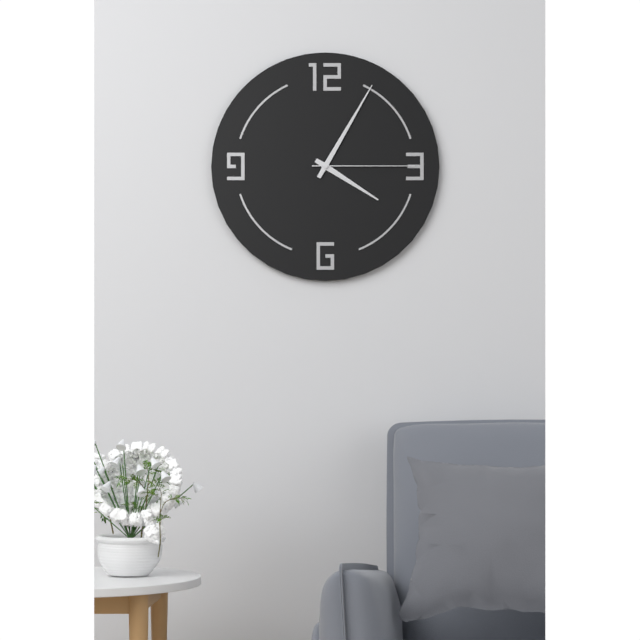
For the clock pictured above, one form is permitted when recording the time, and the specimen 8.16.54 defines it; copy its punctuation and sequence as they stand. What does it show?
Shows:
4.05.15
